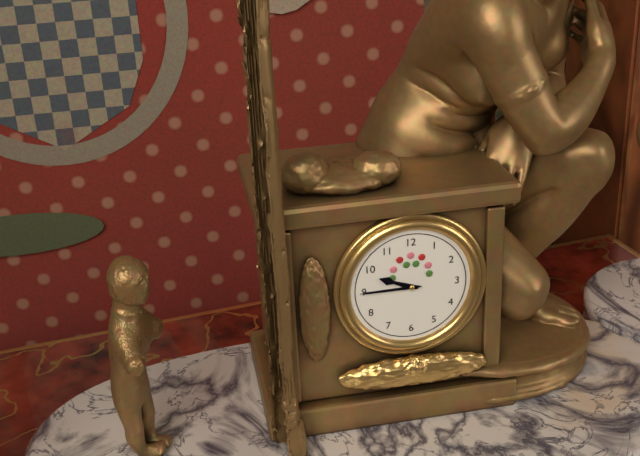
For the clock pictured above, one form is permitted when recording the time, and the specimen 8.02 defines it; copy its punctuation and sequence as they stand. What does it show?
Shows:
9.45
